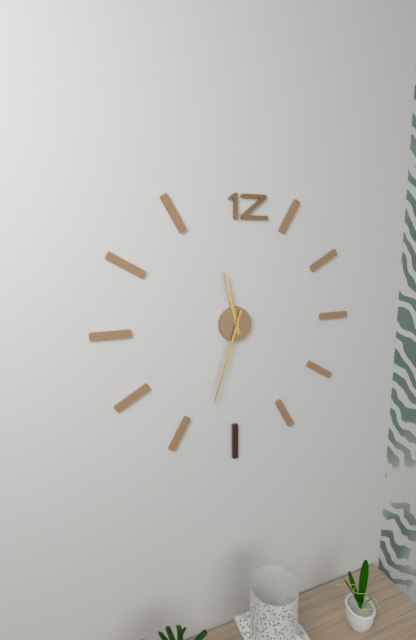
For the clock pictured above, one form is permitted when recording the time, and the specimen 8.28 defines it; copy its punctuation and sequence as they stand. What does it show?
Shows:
11.33
